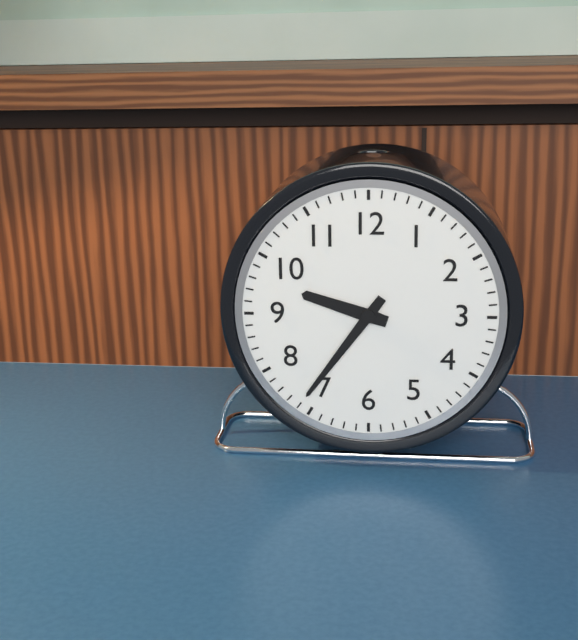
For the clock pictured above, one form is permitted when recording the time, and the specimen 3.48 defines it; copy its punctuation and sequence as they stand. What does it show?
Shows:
9.36
